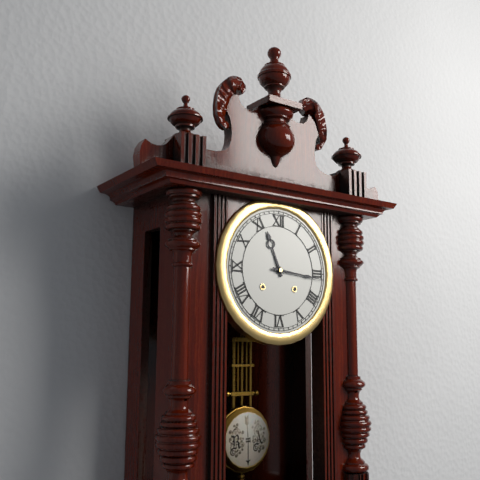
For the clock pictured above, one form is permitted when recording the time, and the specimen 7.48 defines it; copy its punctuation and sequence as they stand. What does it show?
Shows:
11.16
